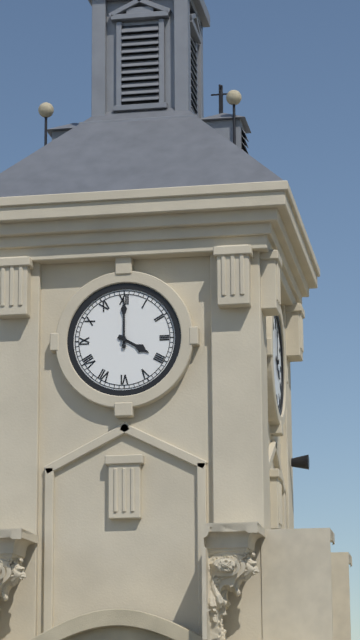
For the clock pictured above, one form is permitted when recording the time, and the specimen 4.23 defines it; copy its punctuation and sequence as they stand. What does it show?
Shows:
4.00
